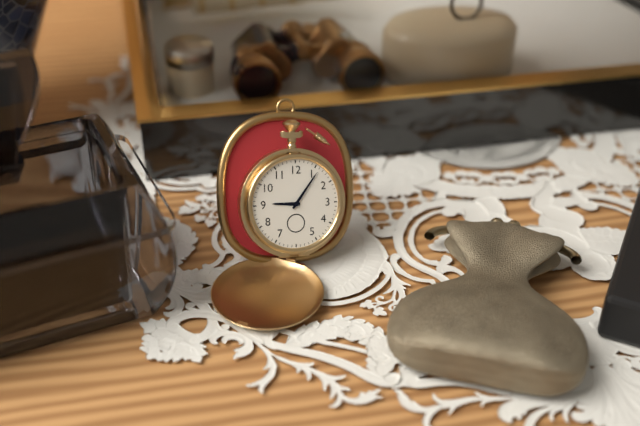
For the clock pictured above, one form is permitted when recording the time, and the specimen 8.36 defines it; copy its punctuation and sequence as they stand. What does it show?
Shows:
9.06
